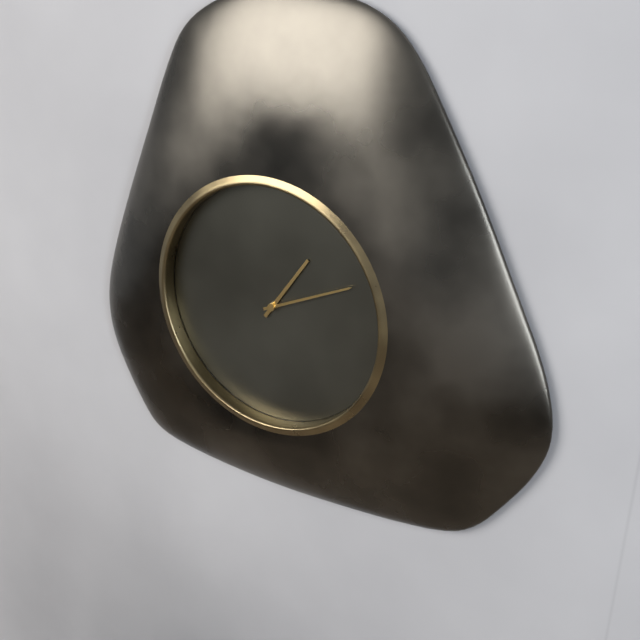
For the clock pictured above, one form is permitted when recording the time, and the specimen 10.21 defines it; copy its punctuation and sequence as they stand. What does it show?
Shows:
1.11
